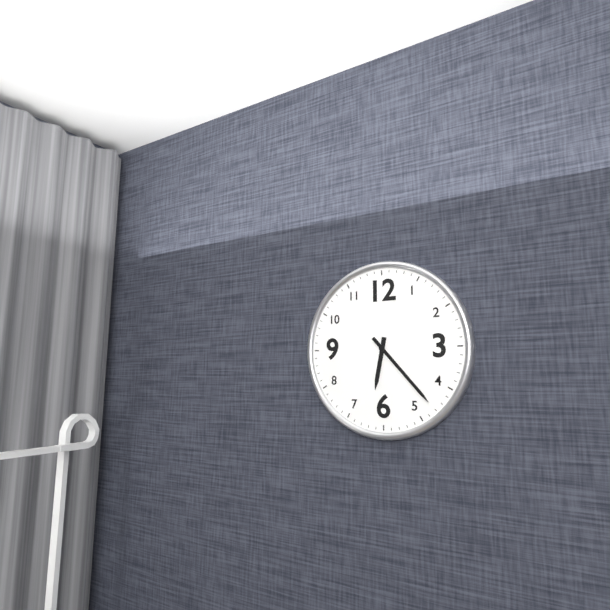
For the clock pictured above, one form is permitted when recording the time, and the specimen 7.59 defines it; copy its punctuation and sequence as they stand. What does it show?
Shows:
6.23
